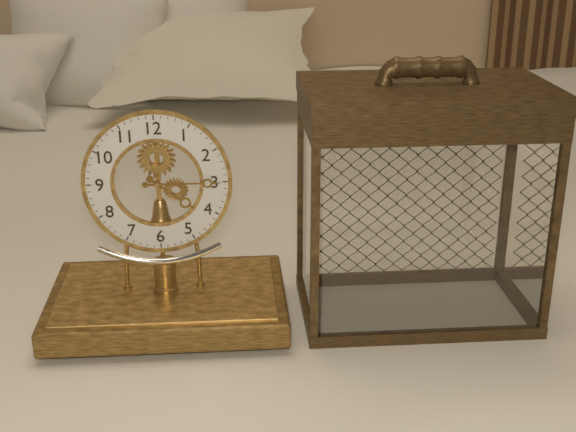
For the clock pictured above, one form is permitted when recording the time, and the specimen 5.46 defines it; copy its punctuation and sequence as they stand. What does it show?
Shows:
4.15
